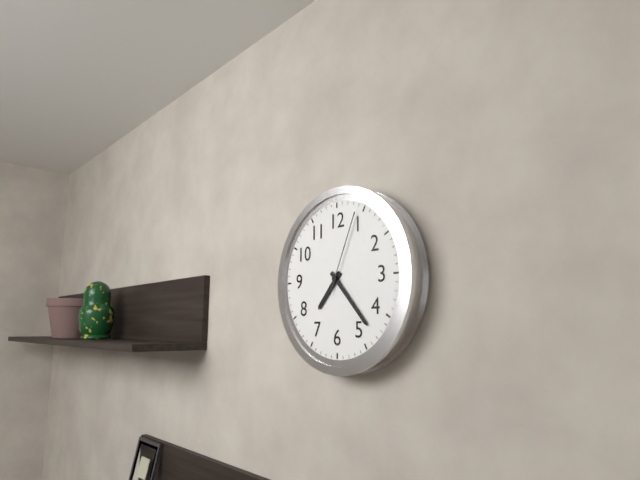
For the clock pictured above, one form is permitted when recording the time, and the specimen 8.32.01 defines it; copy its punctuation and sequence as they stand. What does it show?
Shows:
7.23.04
